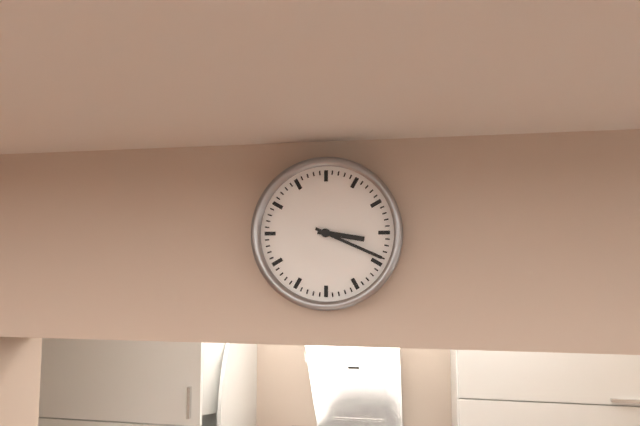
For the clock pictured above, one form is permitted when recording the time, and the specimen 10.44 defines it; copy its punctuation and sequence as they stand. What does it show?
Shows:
3.19
